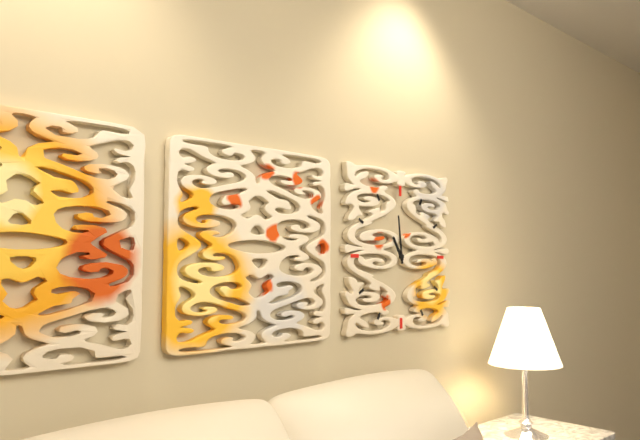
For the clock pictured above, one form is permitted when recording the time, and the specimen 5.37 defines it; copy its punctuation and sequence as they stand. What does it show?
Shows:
10.59
